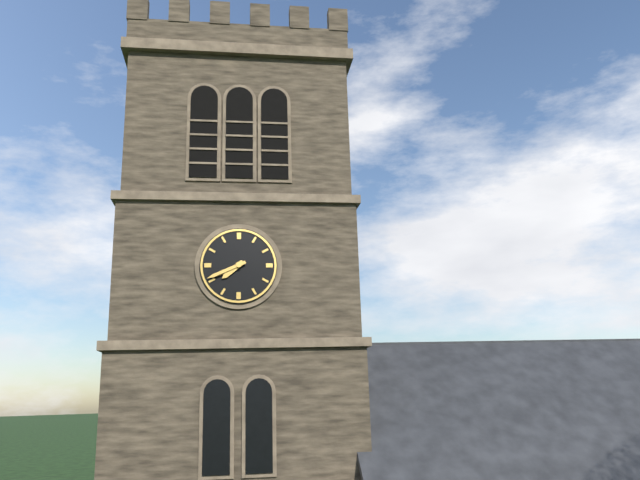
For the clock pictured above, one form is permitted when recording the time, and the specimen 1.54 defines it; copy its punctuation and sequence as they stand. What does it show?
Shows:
7.41
